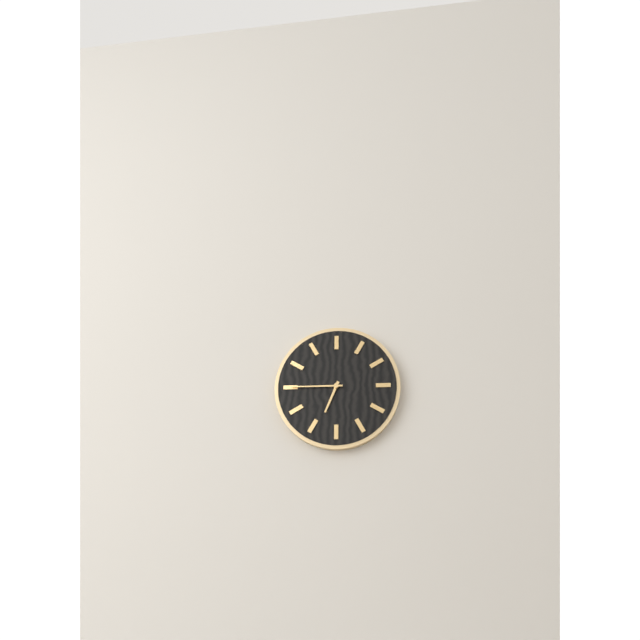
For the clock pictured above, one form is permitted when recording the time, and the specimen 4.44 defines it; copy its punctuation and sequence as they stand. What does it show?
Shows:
6.45
